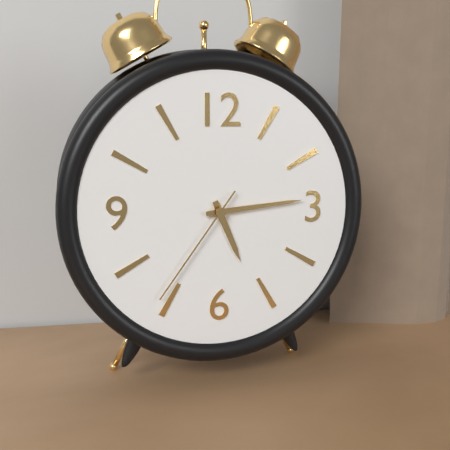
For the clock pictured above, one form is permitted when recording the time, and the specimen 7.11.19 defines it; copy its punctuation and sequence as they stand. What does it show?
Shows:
5.14.36
